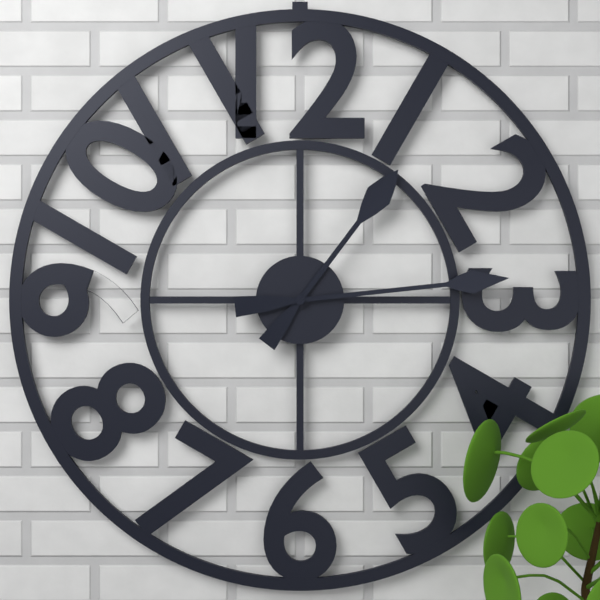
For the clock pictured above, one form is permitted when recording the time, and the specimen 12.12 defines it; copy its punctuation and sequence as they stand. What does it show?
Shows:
1.14
